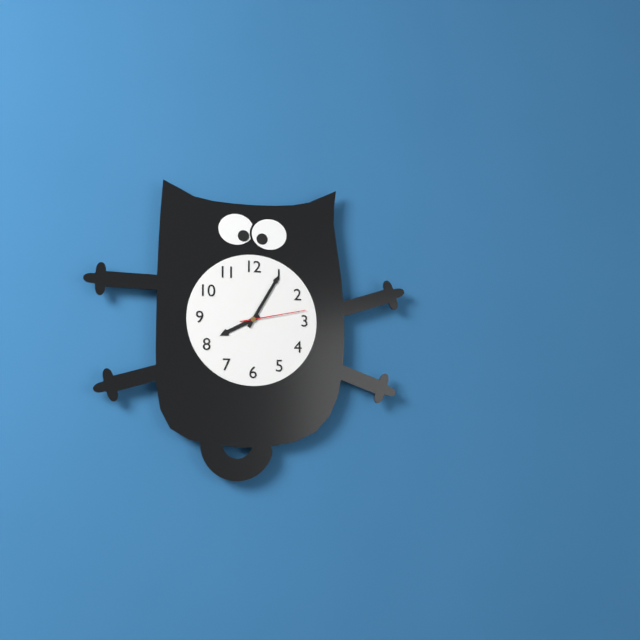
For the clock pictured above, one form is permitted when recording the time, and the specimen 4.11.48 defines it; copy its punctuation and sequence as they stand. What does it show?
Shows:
8.05.13
